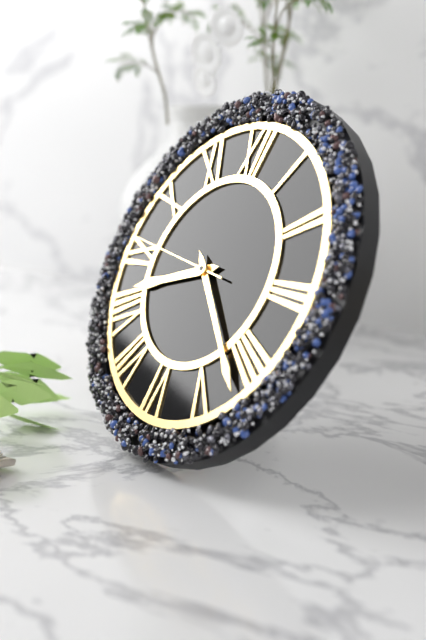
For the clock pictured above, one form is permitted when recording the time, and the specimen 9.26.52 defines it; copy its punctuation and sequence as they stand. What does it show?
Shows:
8.22.46
